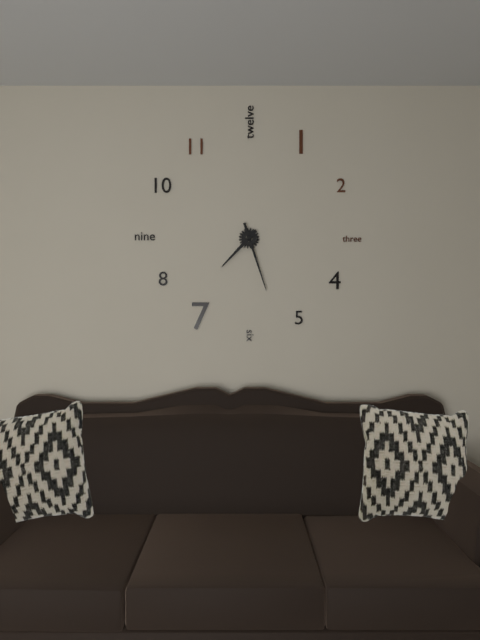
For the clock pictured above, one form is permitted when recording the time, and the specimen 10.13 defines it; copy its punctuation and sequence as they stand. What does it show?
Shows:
7.27
